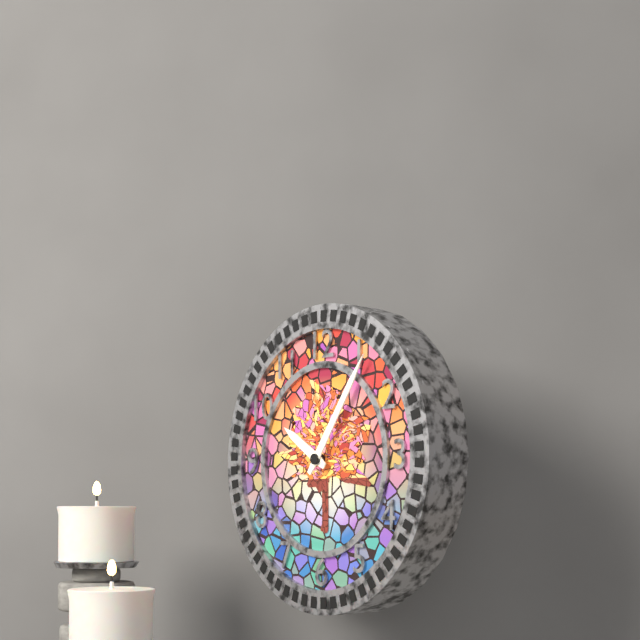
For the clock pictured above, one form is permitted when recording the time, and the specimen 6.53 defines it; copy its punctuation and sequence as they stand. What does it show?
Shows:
10.06
